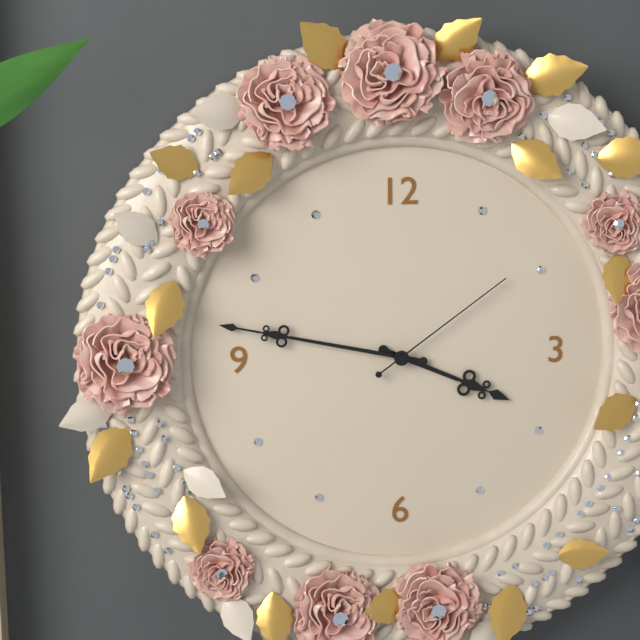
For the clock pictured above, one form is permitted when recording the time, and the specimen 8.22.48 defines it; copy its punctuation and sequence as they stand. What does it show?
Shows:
3.47.09
